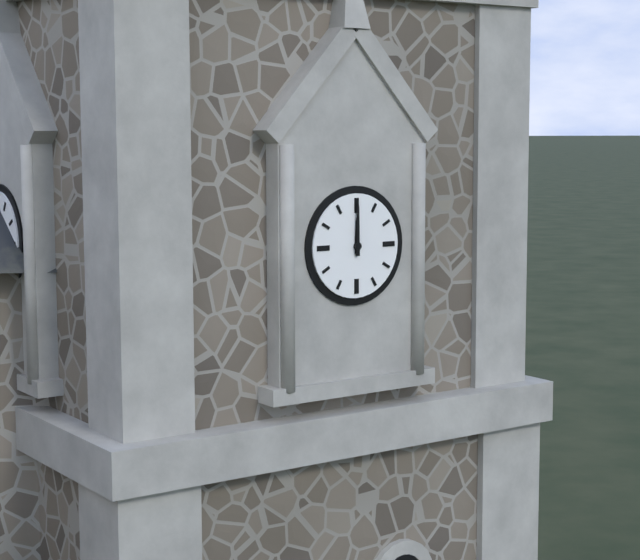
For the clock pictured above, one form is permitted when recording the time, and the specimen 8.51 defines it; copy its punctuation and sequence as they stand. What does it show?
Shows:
12.00
